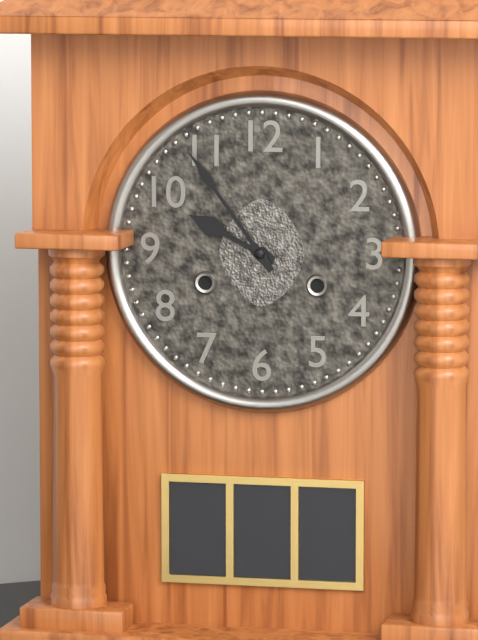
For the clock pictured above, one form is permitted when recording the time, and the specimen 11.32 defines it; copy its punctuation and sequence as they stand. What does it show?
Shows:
9.54
